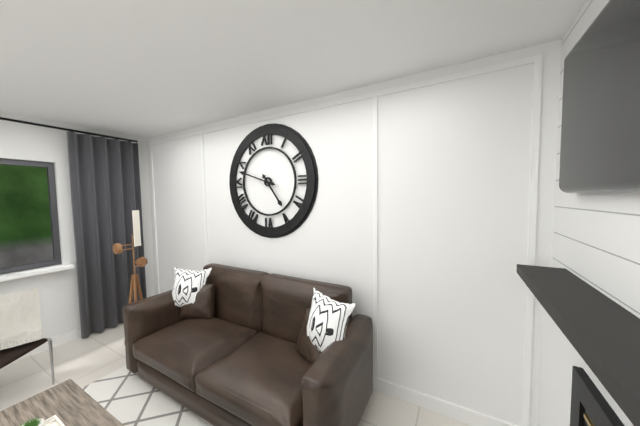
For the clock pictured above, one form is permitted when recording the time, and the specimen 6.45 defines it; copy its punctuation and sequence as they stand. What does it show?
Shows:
4.48
